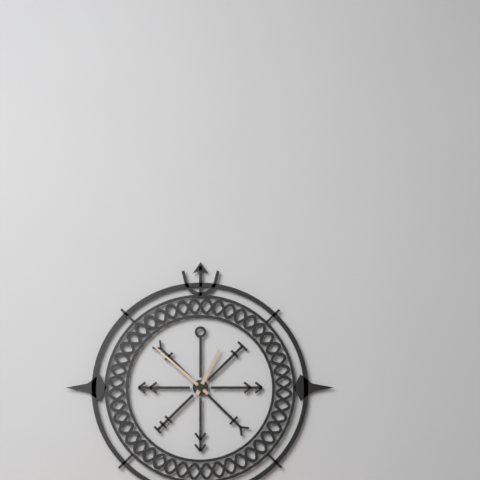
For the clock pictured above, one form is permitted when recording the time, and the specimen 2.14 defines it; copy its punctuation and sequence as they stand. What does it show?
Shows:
12.52
